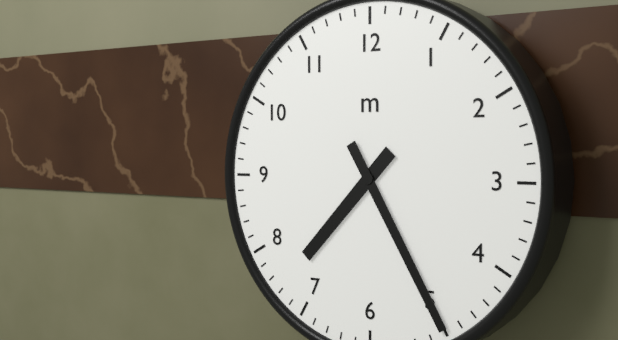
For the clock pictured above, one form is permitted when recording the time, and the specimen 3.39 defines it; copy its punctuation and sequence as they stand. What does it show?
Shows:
7.25
